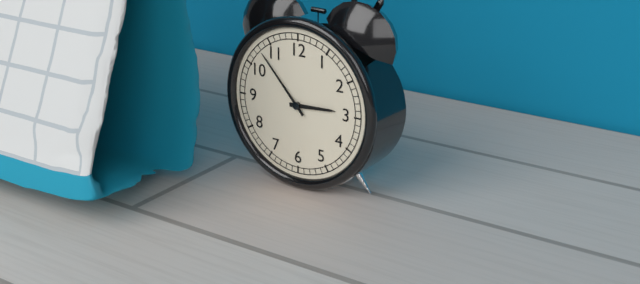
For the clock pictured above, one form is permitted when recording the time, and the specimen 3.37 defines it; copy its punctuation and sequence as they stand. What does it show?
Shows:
2.53
